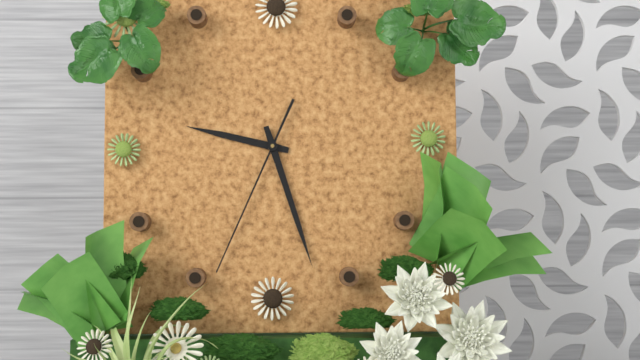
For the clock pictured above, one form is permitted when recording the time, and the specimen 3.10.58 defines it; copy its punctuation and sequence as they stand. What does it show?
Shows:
9.27.34
